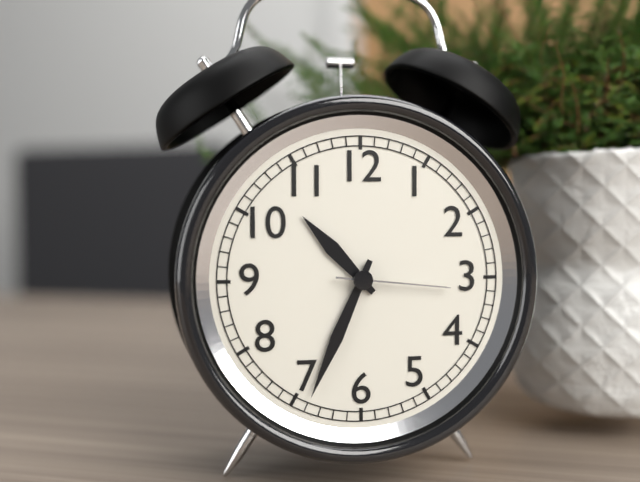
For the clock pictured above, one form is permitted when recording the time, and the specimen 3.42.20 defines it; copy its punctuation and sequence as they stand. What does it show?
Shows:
10.34.16
